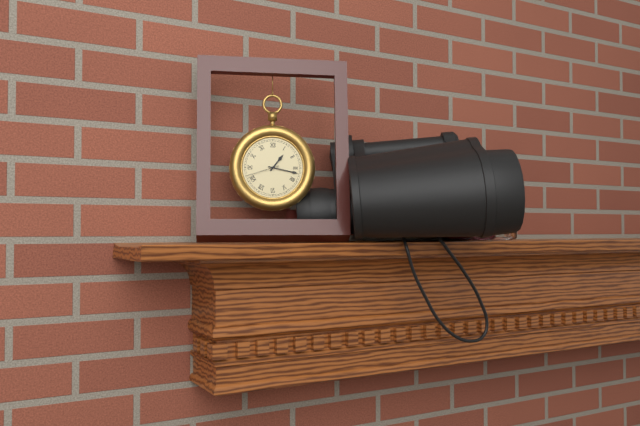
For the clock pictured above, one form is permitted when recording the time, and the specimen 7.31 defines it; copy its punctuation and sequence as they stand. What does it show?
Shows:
1.17
